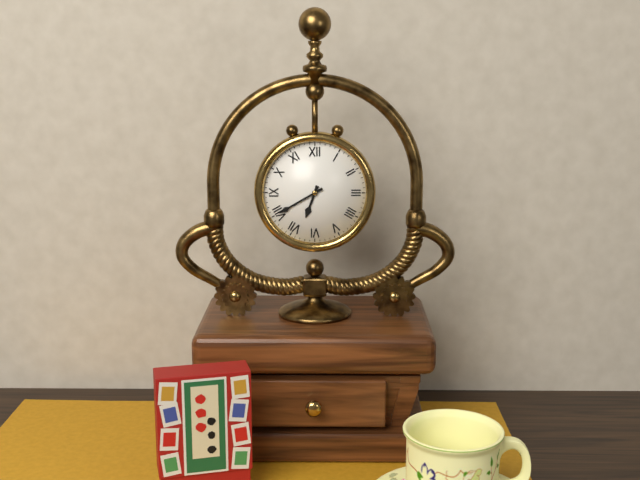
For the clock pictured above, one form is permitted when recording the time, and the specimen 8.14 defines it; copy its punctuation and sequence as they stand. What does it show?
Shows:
6.40
